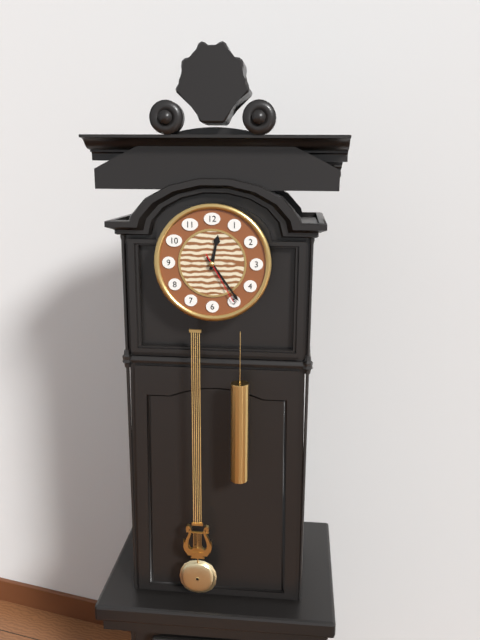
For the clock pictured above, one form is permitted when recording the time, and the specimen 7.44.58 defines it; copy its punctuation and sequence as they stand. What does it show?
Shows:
12.24.25
